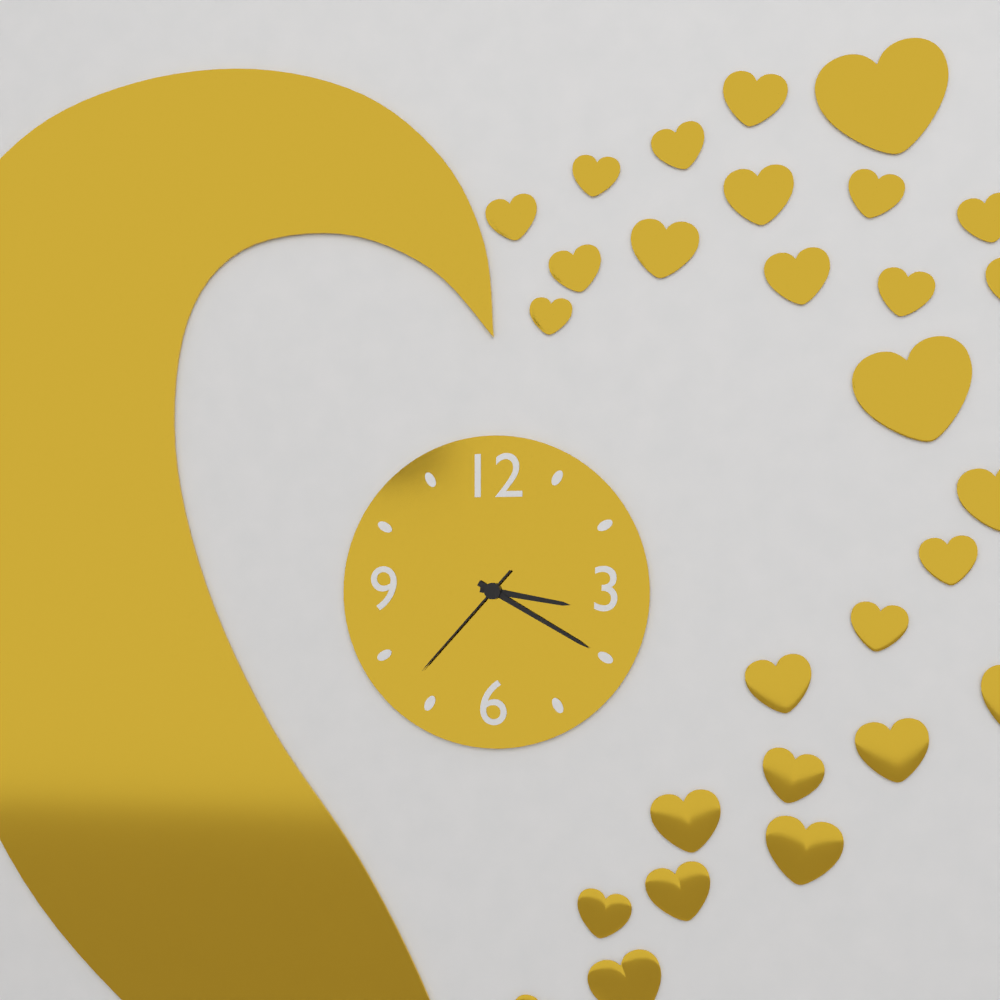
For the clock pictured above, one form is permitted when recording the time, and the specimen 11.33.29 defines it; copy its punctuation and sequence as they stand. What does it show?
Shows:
3.20.37
